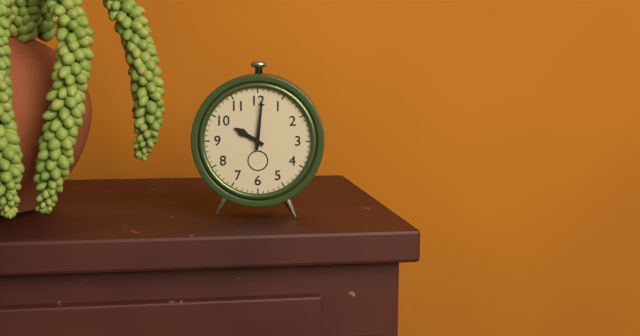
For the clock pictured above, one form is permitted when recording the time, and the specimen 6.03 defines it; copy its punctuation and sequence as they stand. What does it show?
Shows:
10.01
